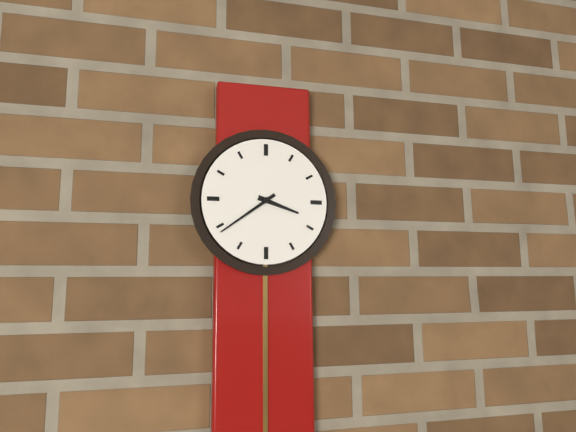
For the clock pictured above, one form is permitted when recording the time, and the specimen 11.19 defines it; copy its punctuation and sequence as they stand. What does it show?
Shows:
3.39
